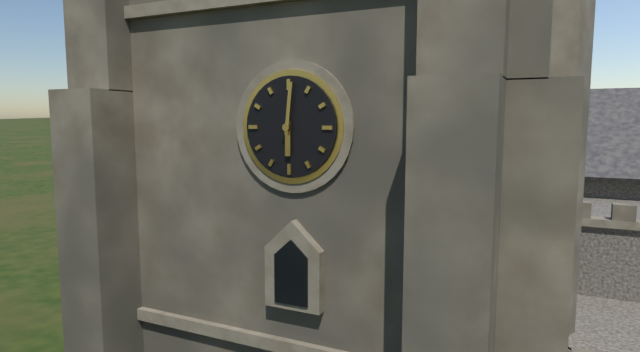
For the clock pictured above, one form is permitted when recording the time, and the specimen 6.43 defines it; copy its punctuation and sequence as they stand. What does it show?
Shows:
6.01
